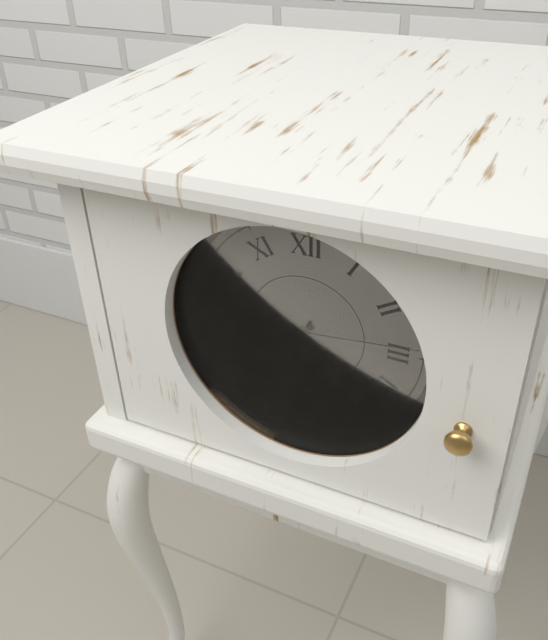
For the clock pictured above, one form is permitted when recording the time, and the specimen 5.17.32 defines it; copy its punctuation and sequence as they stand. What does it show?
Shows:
7.34.14
